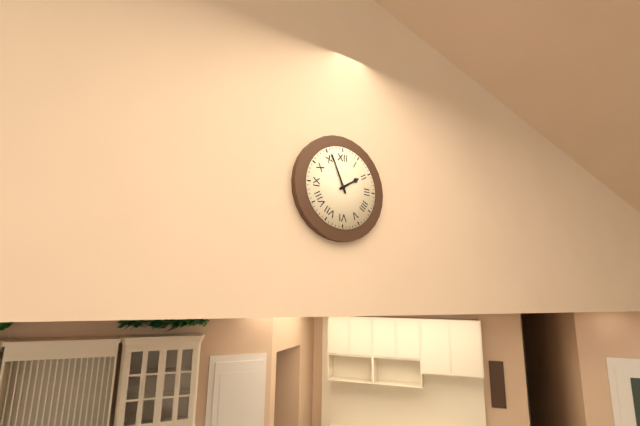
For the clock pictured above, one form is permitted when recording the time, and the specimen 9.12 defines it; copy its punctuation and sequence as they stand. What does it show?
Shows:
1.56
